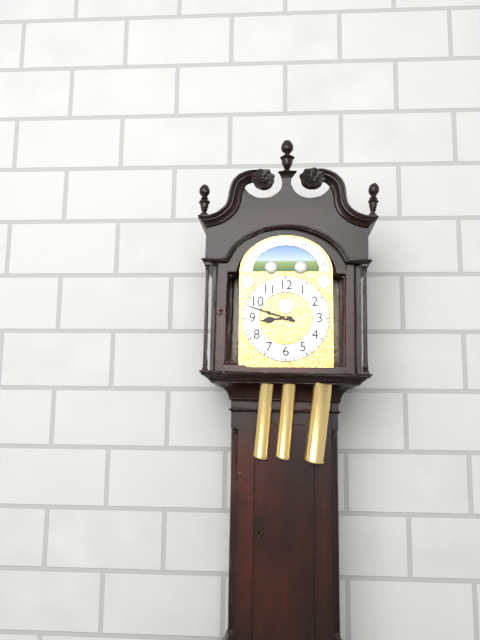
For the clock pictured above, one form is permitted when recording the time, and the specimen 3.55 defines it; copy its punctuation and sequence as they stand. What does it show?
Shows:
8.48
